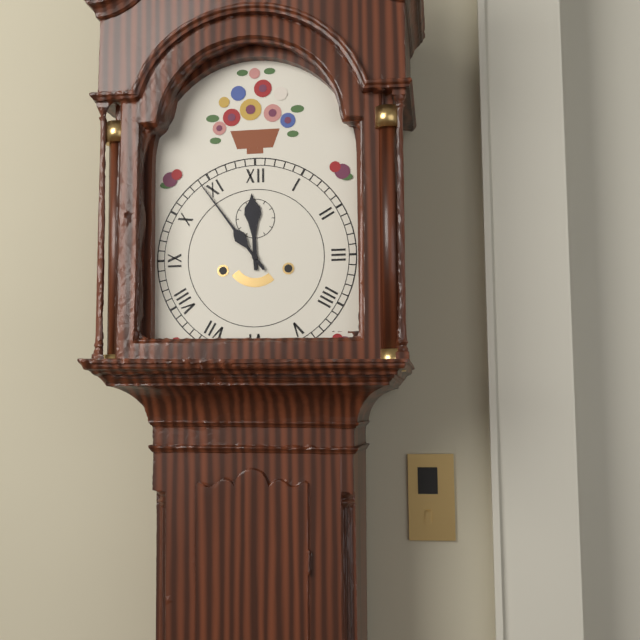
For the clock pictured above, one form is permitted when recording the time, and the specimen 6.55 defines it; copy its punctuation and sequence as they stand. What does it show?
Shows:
11.54
